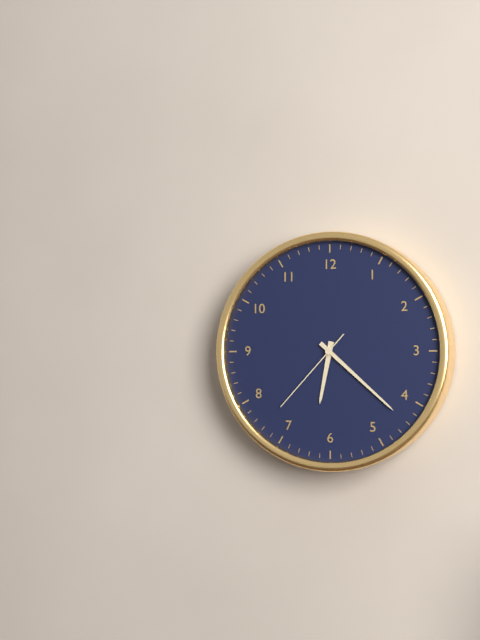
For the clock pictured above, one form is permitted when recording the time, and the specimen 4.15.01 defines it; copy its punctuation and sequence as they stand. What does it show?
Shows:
6.22.37
